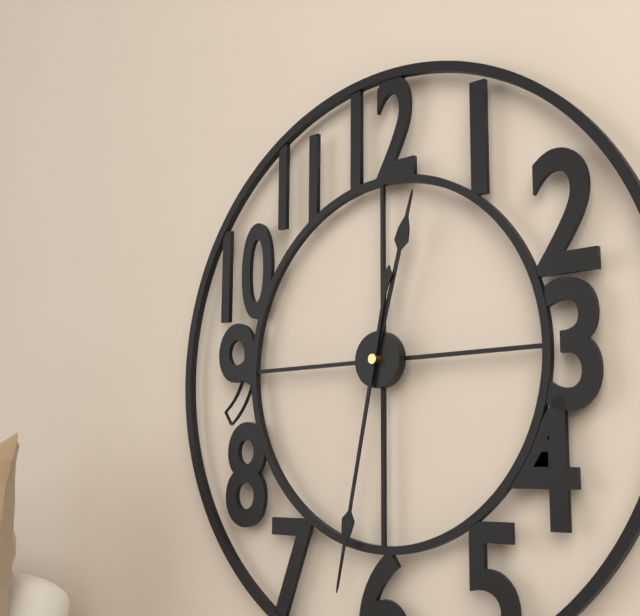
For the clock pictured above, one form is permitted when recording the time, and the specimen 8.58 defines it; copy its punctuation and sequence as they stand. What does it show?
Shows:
12.32
